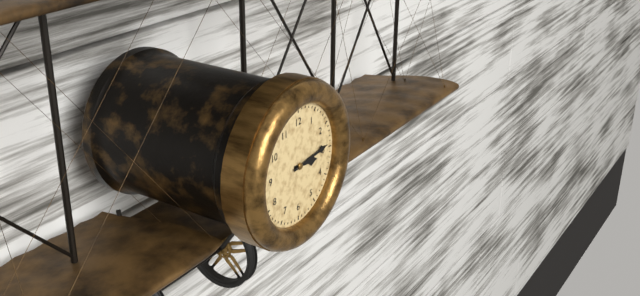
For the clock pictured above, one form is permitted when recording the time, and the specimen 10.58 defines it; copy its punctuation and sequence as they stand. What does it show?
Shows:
3.14
